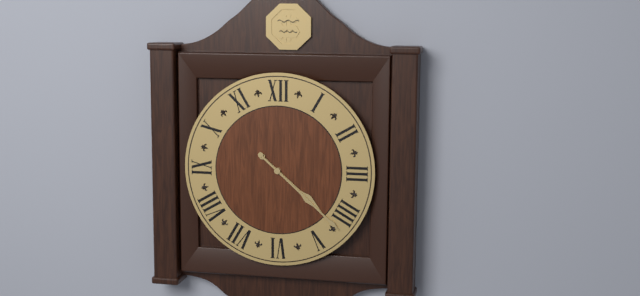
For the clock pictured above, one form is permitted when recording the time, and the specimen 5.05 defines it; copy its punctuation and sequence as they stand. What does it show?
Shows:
4.22
